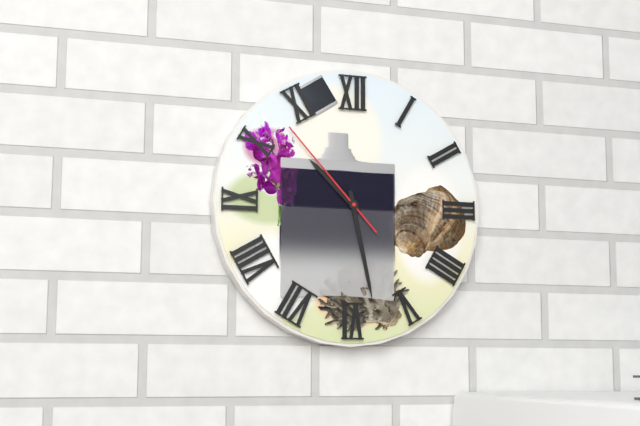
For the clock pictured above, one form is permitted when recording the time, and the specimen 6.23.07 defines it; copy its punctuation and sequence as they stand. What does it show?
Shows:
10.28.53
